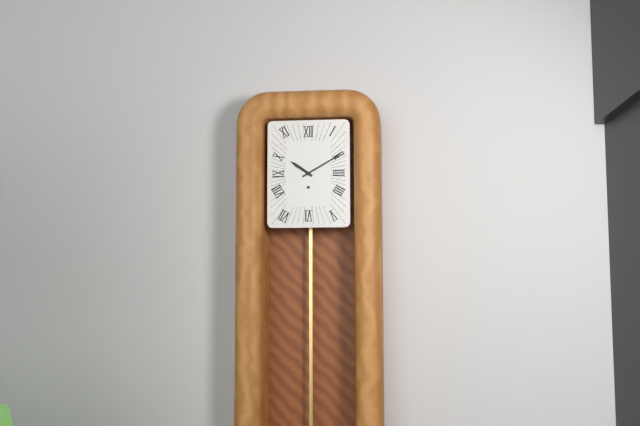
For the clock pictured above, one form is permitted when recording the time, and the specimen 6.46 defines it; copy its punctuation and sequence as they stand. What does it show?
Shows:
10.10
